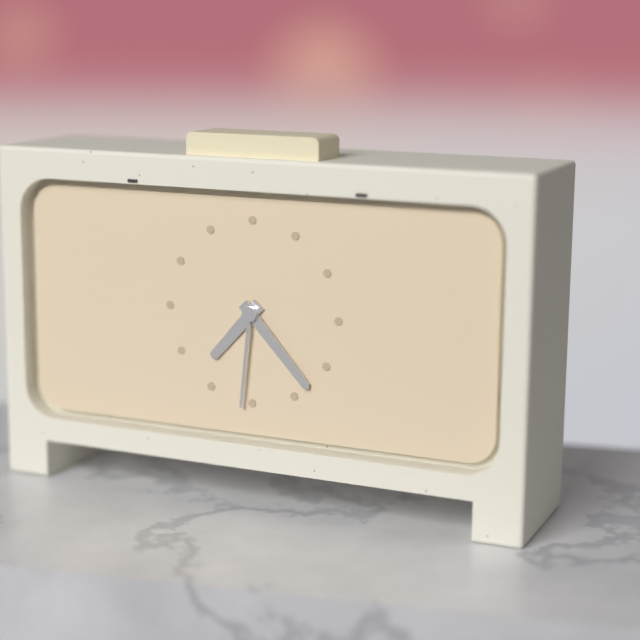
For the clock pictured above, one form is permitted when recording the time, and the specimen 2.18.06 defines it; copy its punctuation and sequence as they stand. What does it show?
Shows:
7.23.31
